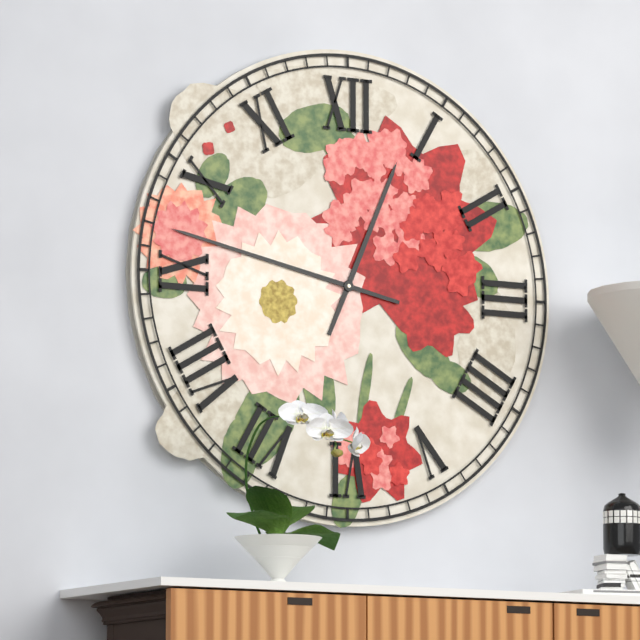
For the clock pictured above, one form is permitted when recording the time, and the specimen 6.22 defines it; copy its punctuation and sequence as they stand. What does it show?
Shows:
12.47
